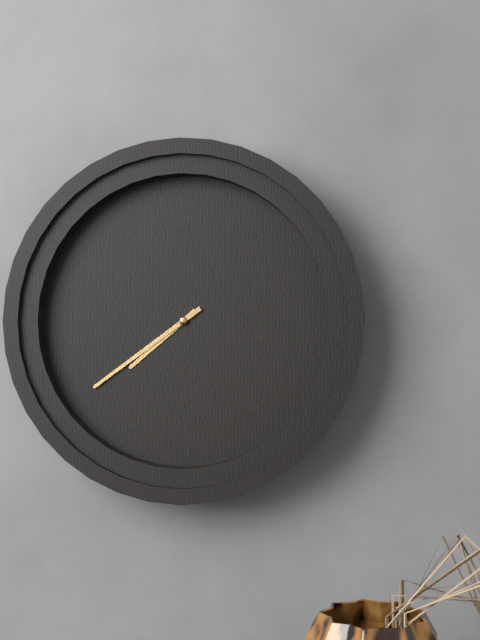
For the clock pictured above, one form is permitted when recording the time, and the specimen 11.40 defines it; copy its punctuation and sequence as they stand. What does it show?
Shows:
7.39
